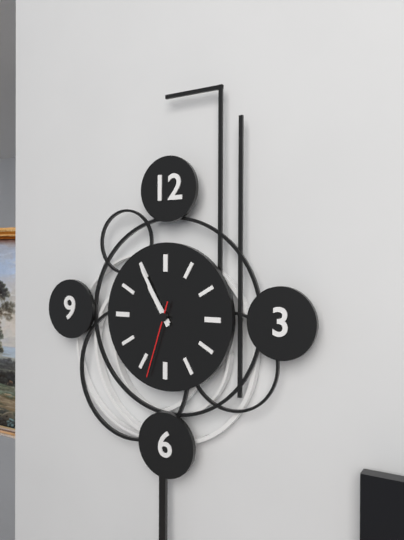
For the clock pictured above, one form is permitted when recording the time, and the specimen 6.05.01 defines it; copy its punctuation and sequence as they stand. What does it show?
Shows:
10.55.33
